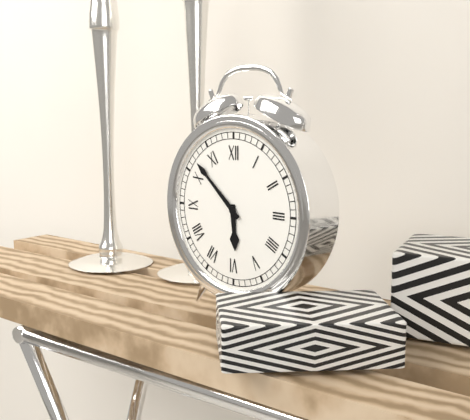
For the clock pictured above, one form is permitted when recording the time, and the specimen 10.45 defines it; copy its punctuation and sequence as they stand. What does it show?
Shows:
5.52
